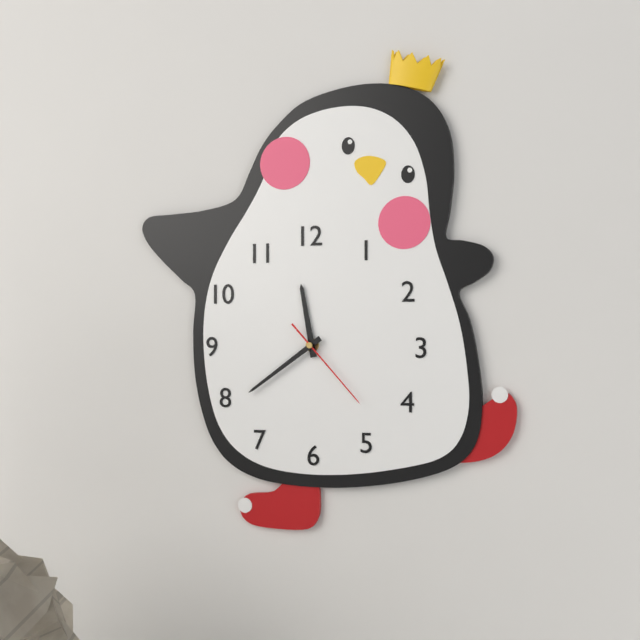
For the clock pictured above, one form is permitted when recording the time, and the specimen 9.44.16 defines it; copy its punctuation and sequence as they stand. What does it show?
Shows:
11.39.23
